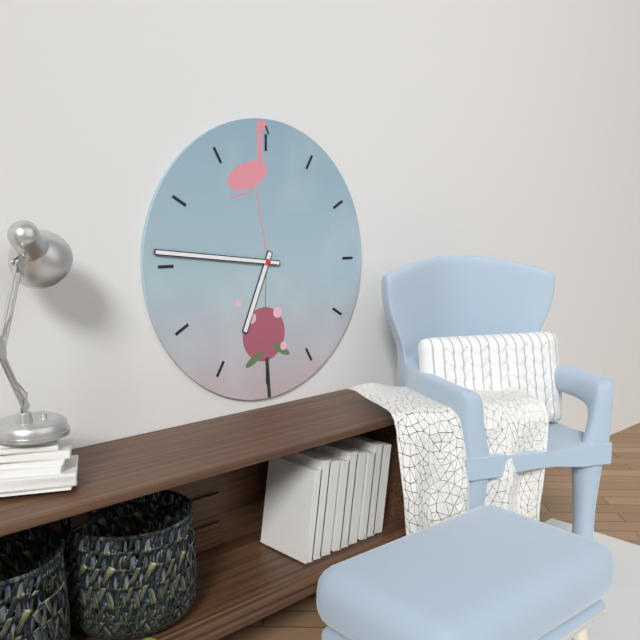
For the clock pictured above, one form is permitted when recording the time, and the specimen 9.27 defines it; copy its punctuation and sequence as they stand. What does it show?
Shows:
6.46
